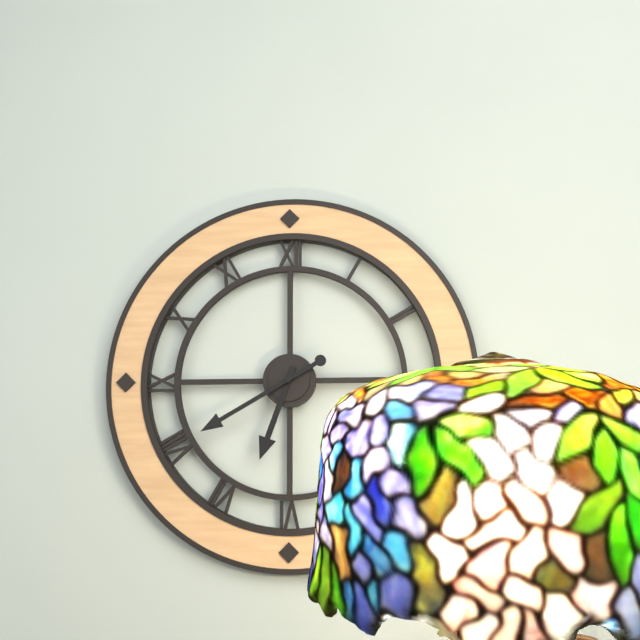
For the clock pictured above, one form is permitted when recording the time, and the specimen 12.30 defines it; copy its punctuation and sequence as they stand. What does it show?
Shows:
6.40
